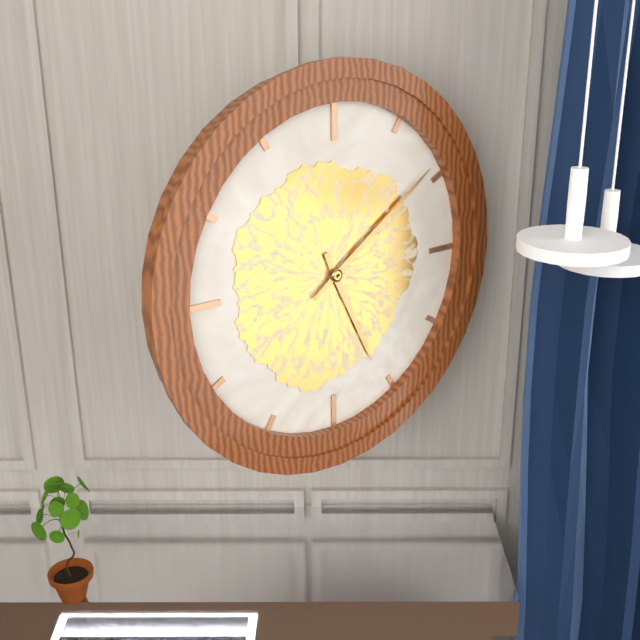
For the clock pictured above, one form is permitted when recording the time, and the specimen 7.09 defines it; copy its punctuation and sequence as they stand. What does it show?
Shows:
5.09
